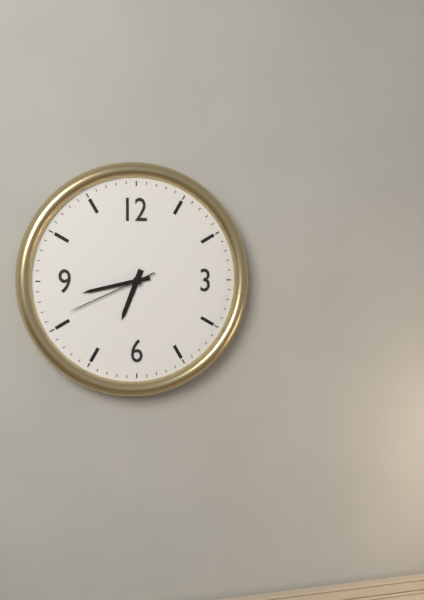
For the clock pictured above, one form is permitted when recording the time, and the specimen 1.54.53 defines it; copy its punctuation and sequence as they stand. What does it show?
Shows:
6.43.41
